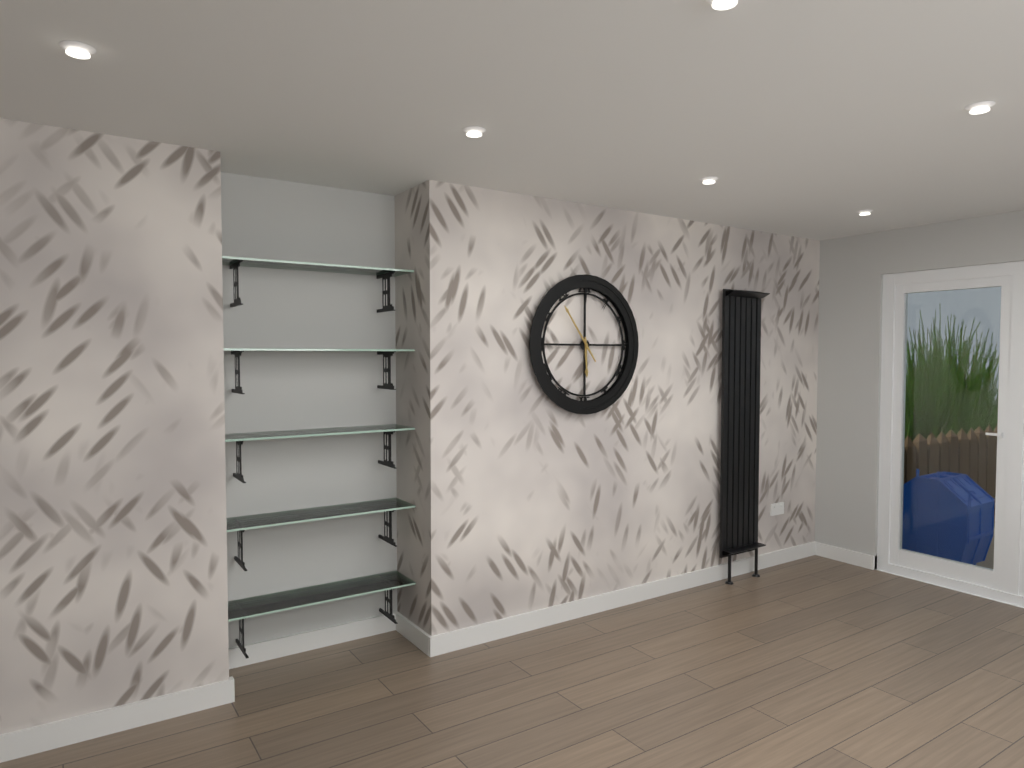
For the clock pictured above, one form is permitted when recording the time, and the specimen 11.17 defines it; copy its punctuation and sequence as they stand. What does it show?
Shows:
5.54
